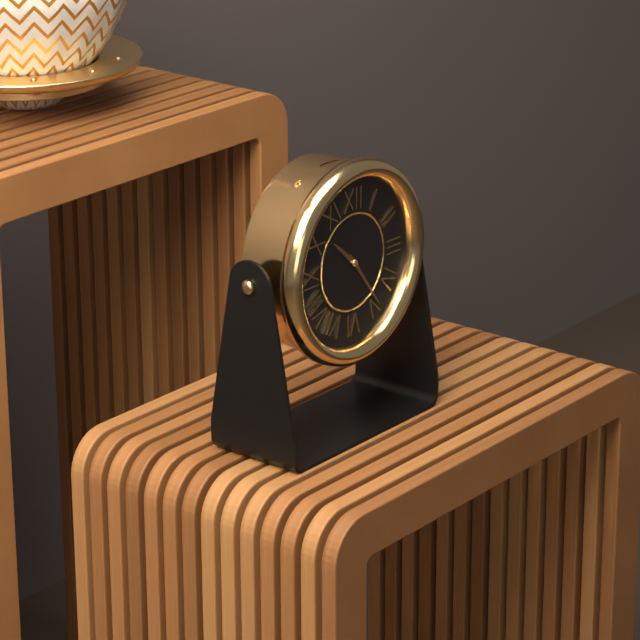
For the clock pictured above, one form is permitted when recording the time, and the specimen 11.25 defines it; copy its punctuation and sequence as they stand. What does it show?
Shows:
10.24
